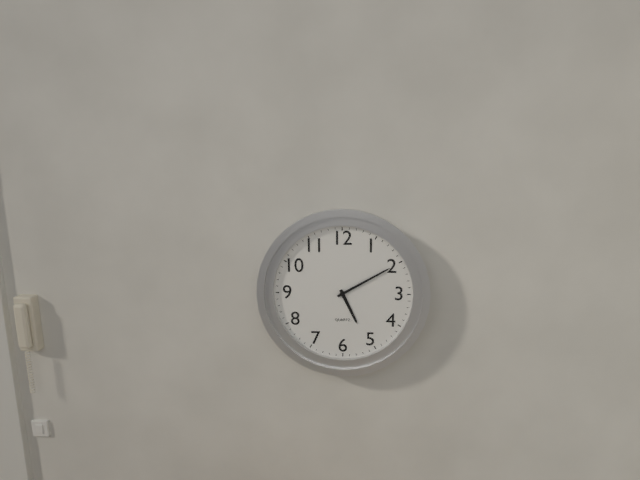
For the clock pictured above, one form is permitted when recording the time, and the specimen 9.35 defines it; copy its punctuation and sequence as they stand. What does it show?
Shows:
5.10
